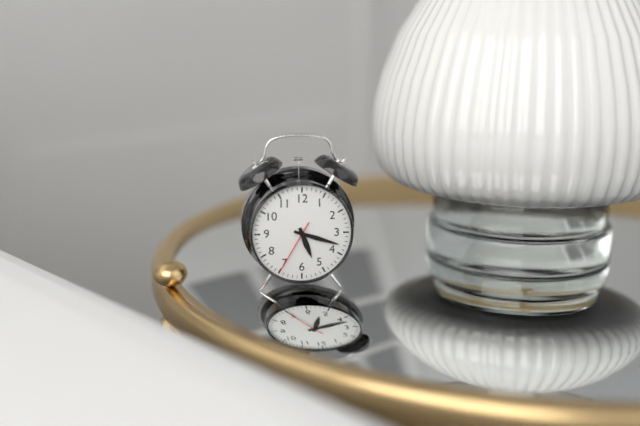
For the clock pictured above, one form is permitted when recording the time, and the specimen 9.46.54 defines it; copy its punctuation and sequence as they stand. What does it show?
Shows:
5.18.35
